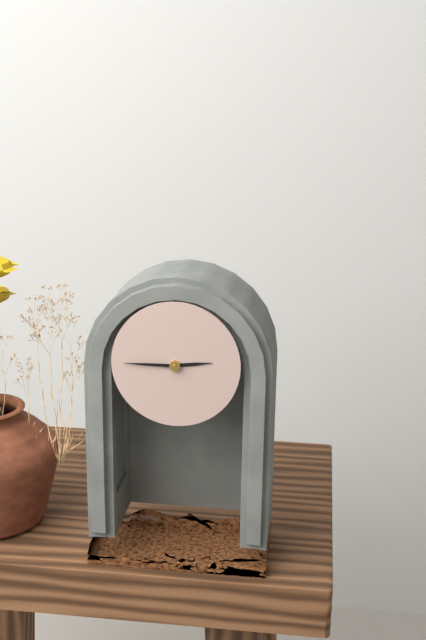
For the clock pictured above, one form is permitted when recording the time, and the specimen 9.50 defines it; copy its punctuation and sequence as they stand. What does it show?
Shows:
2.45
